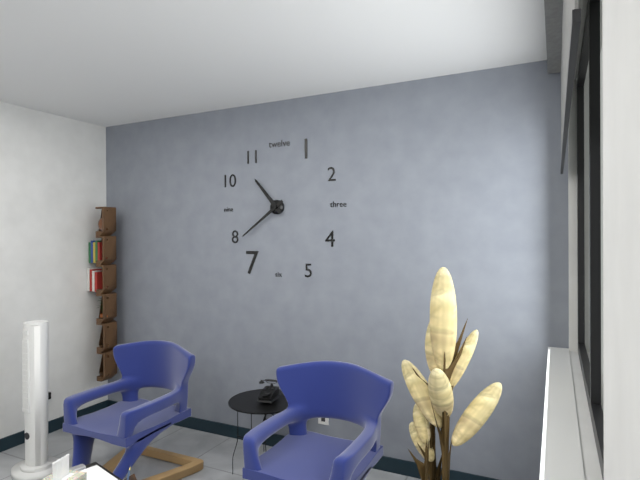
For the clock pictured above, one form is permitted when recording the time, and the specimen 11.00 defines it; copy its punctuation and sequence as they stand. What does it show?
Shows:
10.39
